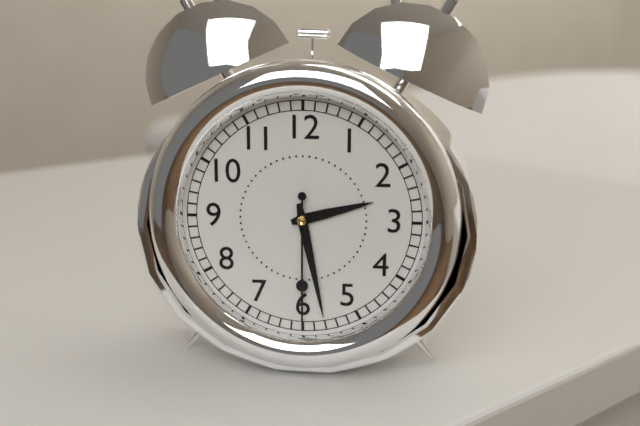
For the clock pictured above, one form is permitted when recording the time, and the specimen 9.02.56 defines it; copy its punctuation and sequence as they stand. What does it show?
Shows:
2.28.30
